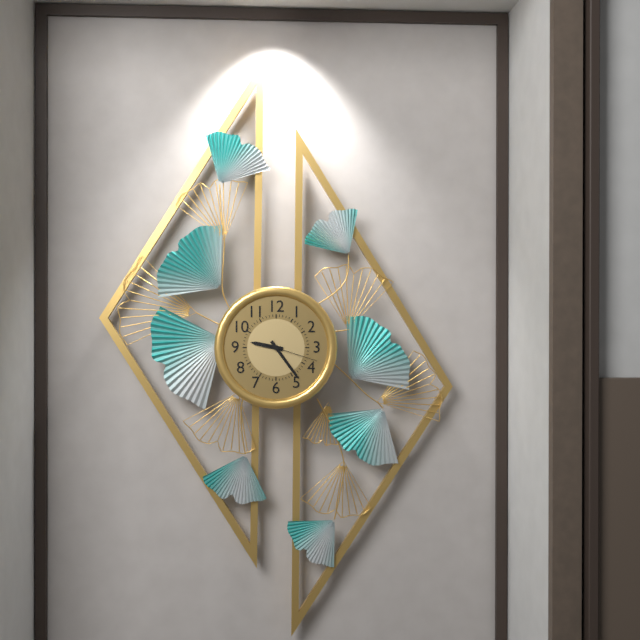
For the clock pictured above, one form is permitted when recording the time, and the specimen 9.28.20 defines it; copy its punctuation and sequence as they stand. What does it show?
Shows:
9.24.18
